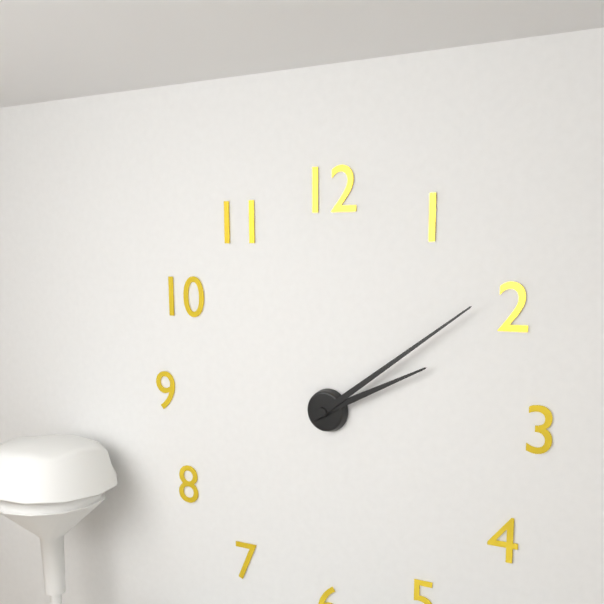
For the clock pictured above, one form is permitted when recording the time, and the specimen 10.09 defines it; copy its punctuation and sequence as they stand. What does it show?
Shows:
2.09
